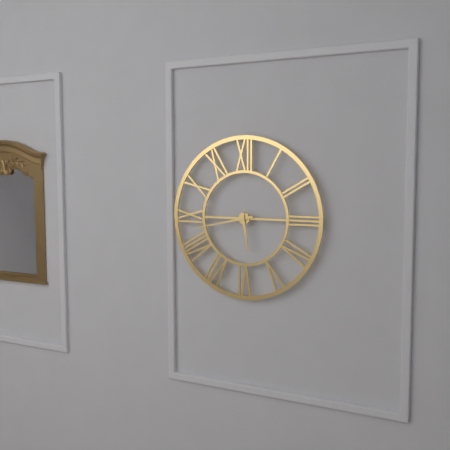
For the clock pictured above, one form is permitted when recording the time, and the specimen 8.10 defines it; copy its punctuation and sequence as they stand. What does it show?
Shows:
5.43
